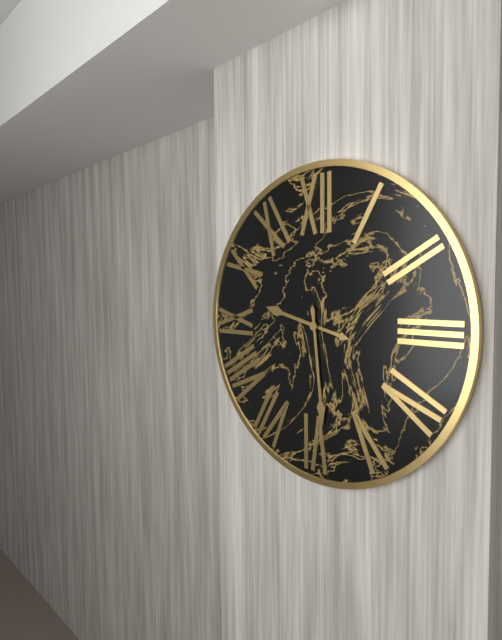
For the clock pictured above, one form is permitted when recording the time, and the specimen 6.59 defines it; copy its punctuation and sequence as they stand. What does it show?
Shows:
9.29
